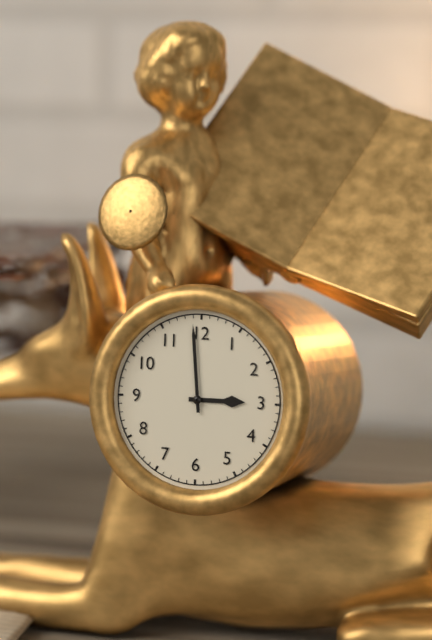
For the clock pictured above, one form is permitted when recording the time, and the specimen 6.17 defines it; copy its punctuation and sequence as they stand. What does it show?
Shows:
2.59
